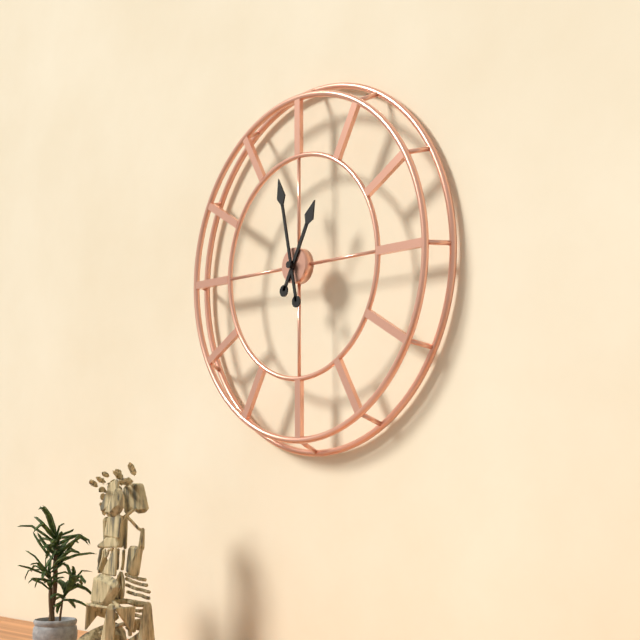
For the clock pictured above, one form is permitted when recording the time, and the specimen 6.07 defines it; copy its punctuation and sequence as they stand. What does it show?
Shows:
12.58
